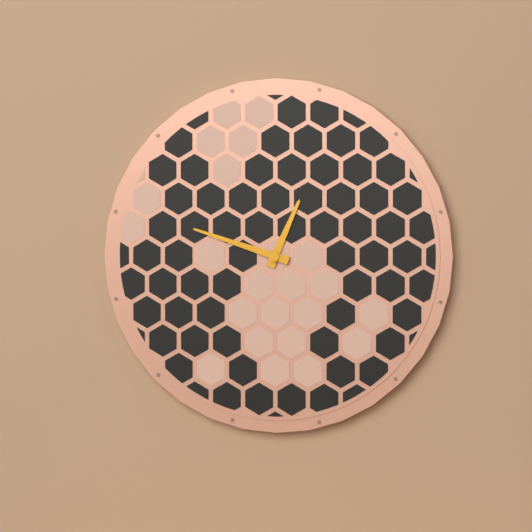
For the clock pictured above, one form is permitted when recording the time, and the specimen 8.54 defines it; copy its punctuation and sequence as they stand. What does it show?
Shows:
12.48
